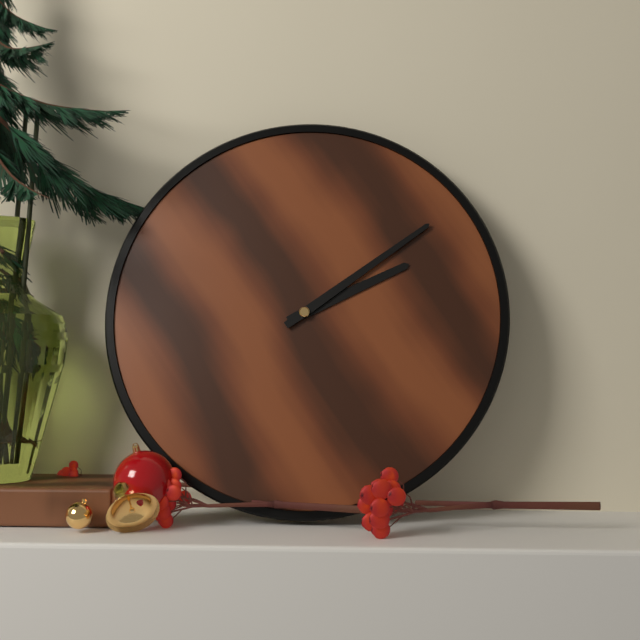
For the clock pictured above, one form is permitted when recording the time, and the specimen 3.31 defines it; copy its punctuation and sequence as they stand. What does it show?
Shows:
2.09
